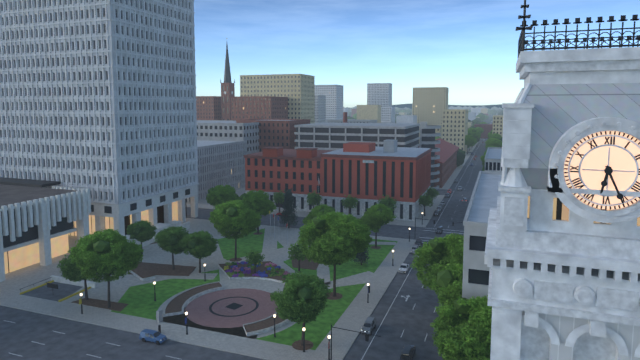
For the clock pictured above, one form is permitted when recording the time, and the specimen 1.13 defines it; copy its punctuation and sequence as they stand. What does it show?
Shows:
6.26
